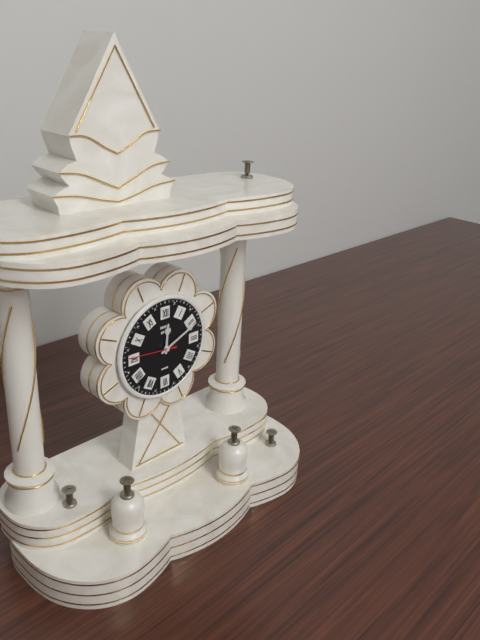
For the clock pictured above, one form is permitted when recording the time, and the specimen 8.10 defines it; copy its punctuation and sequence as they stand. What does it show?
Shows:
12.11
